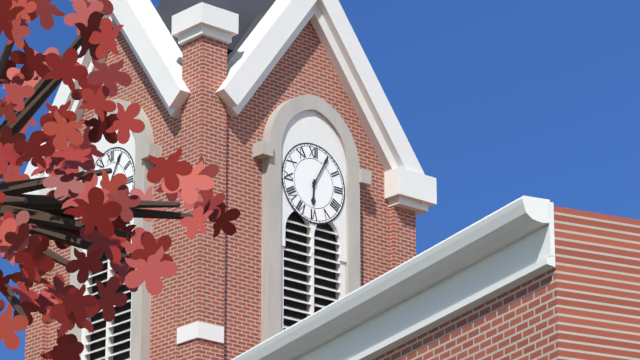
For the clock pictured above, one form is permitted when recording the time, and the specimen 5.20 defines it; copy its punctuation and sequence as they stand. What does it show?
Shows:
6.05
